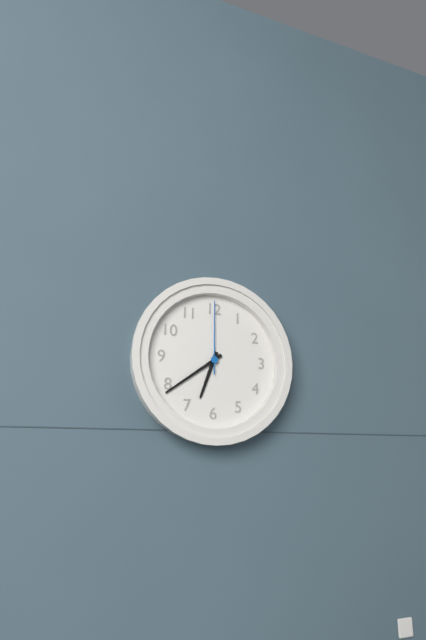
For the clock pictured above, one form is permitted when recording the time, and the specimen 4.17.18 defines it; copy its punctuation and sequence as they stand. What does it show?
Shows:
6.39.00
